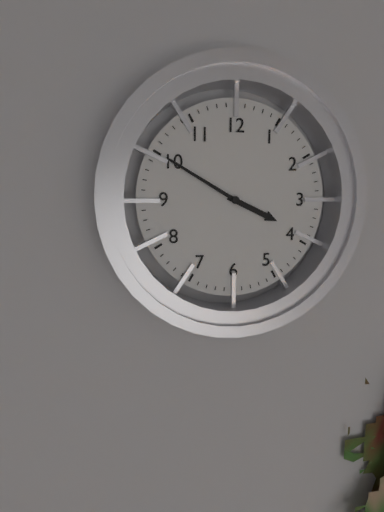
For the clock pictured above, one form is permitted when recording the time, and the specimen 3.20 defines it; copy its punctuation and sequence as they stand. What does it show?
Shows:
3.50
